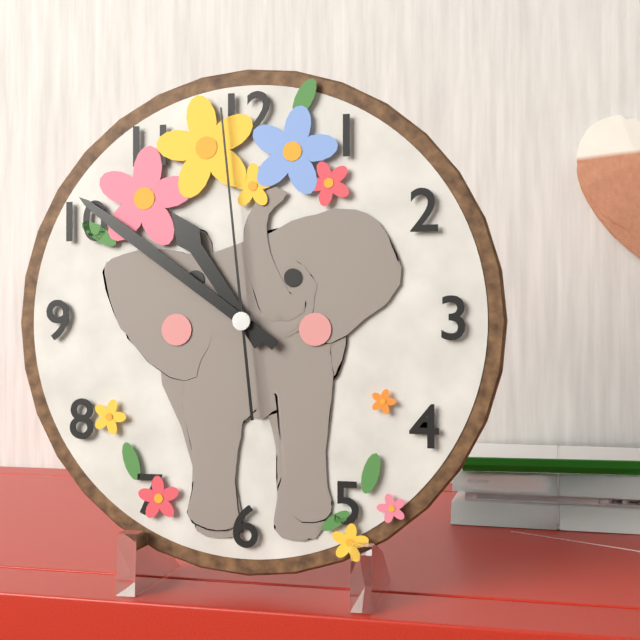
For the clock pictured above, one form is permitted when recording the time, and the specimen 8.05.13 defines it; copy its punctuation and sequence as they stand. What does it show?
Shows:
10.51.59
